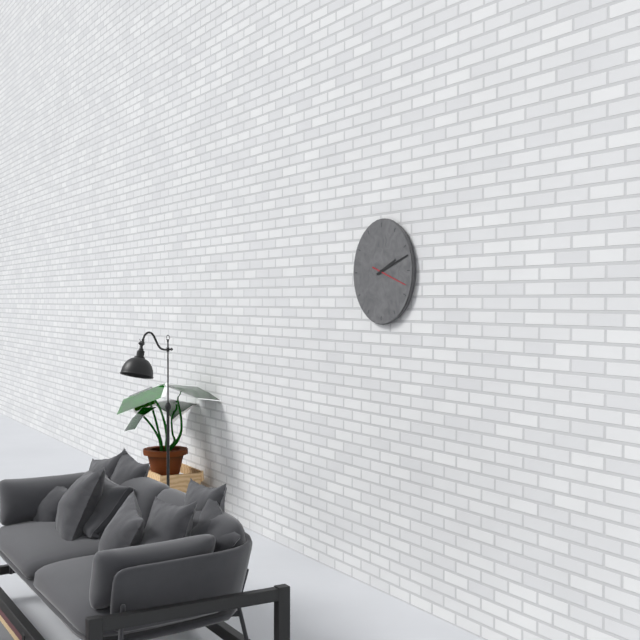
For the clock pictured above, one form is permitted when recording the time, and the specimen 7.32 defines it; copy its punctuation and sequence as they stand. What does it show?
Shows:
2.12
